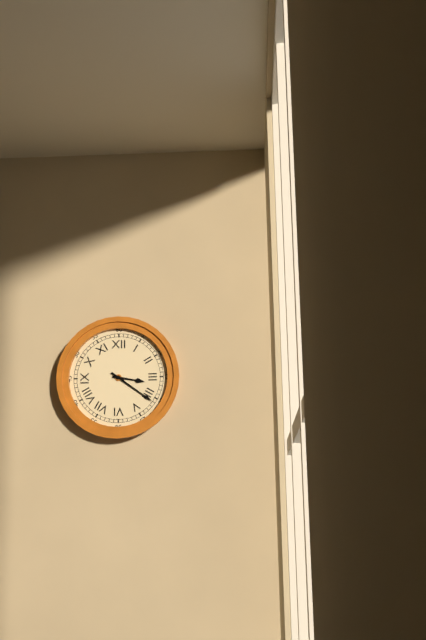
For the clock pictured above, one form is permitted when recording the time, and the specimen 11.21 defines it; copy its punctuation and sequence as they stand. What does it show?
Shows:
3.21
